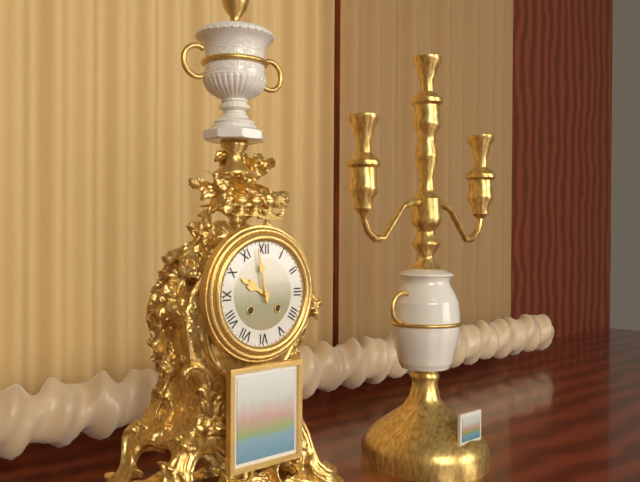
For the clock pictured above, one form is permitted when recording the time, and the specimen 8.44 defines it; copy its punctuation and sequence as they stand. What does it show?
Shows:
9.58
